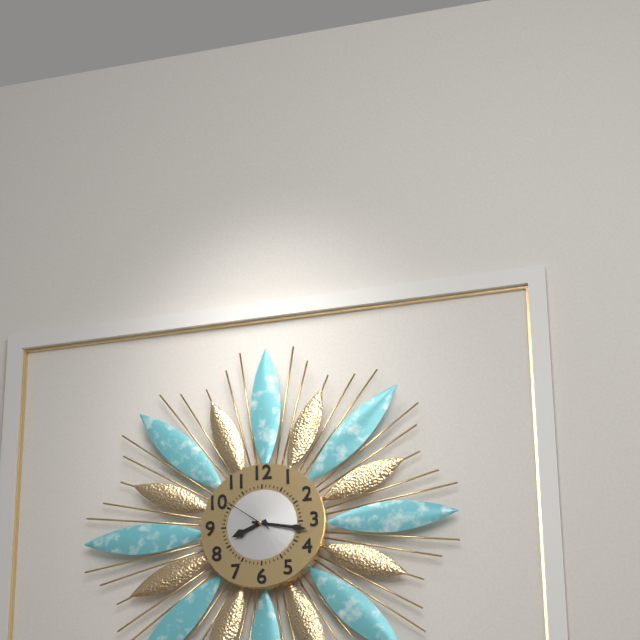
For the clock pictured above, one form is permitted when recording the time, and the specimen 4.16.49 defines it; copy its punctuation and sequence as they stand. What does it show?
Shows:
8.17.51
